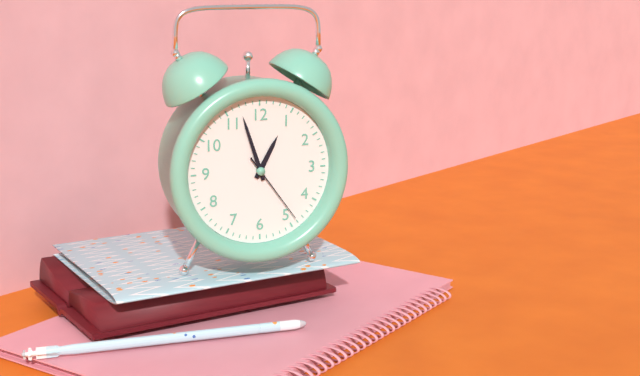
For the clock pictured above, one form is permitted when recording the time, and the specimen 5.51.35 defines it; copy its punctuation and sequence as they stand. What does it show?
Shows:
12.57.24
